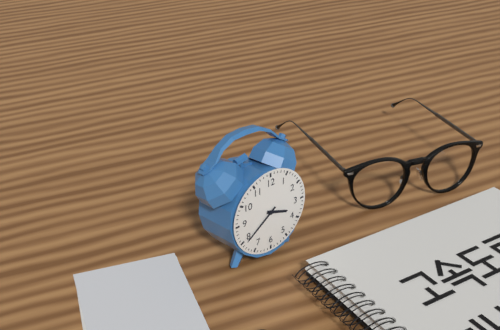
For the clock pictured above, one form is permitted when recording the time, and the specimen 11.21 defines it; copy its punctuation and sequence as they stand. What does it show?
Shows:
3.39
